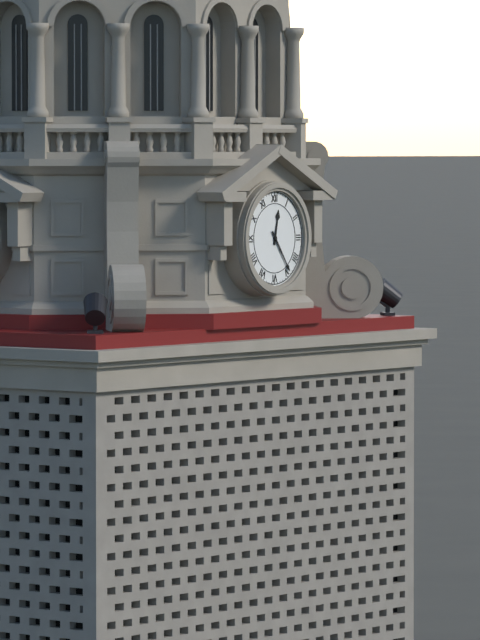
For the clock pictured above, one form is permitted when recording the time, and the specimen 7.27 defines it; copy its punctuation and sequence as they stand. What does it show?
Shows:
12.24
